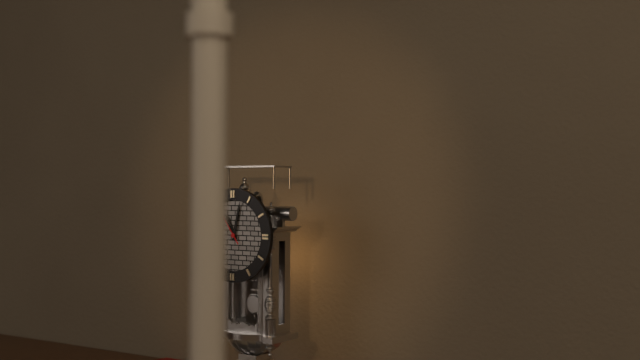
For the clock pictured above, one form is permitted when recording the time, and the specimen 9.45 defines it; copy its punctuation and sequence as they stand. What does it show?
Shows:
11.02
